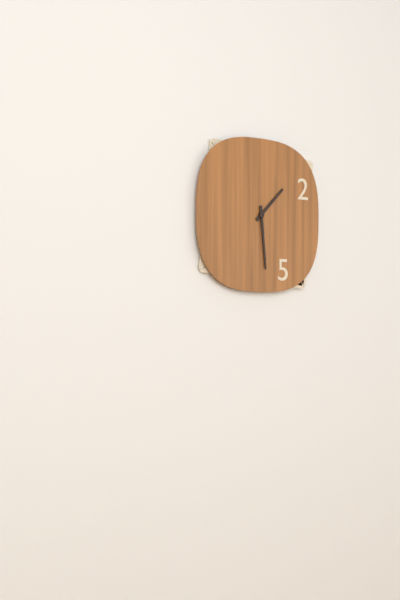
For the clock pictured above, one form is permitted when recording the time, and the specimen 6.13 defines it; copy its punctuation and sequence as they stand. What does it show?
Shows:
1.29
